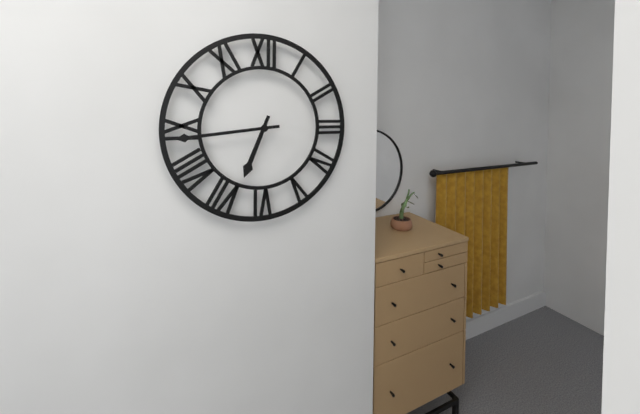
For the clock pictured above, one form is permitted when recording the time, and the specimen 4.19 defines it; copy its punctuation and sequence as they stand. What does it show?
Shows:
6.44
